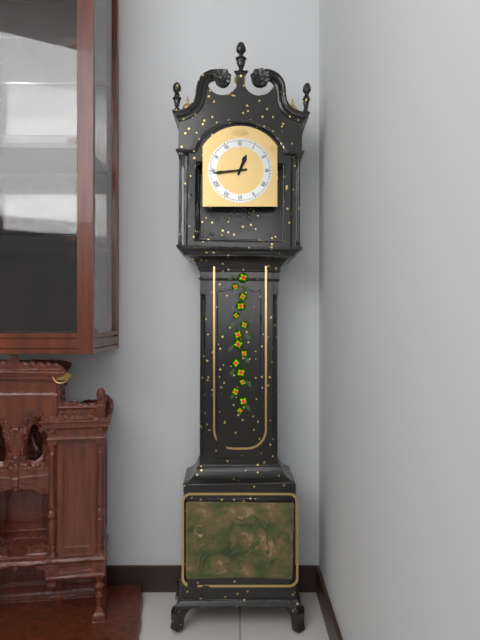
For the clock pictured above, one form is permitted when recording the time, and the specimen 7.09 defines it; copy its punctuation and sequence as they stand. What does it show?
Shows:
12.44
